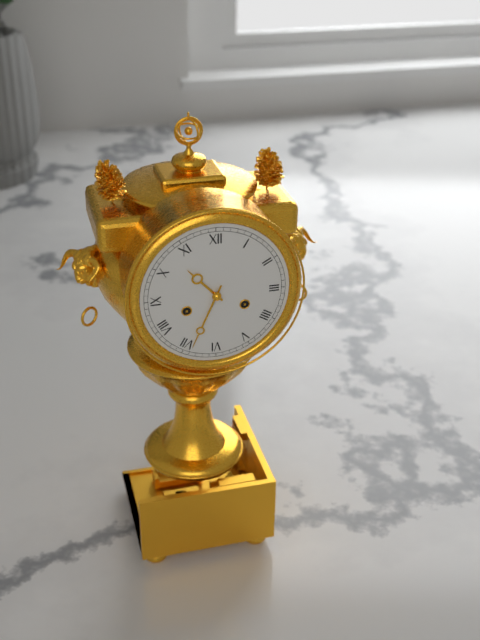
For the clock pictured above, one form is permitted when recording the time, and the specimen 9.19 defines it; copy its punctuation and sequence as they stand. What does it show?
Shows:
10.34
